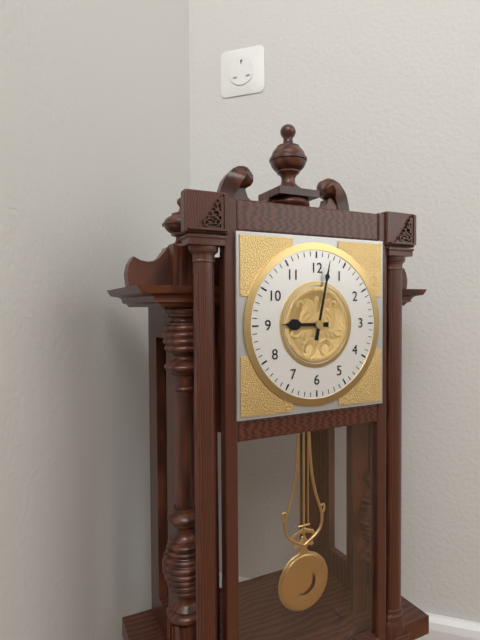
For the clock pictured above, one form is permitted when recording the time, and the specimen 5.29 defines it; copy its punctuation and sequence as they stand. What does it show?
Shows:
9.02
